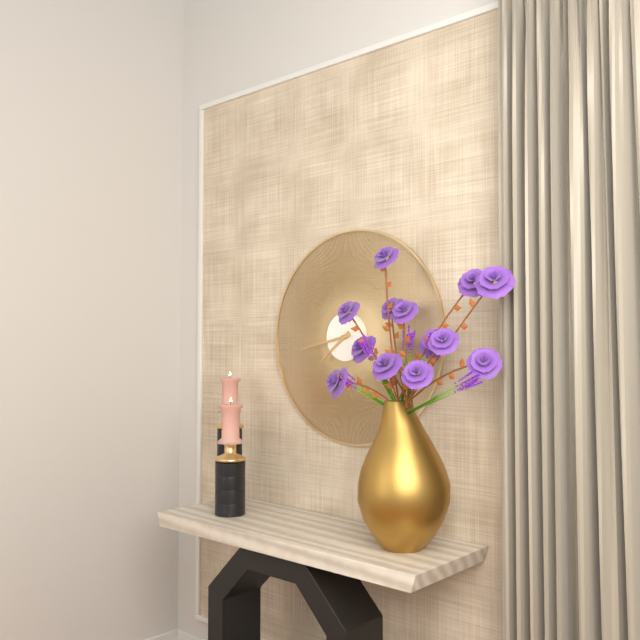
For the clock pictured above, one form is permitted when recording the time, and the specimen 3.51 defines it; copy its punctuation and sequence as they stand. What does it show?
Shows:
7.43
